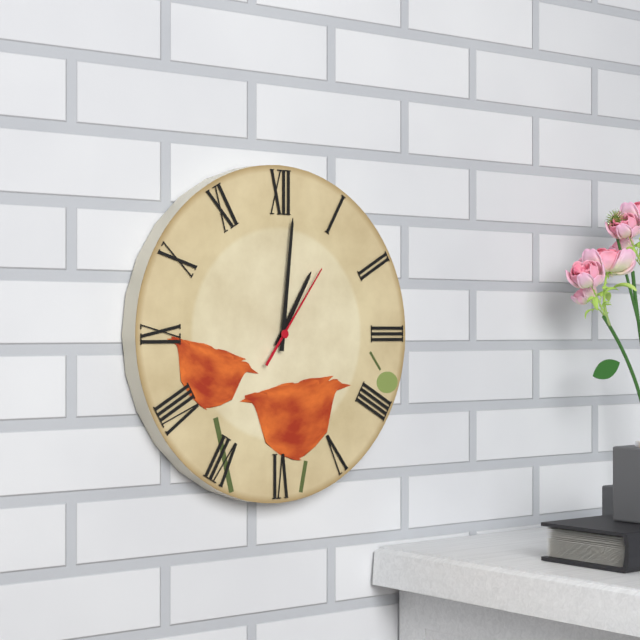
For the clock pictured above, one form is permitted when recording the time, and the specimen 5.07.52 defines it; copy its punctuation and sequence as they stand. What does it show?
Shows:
1.01.06
